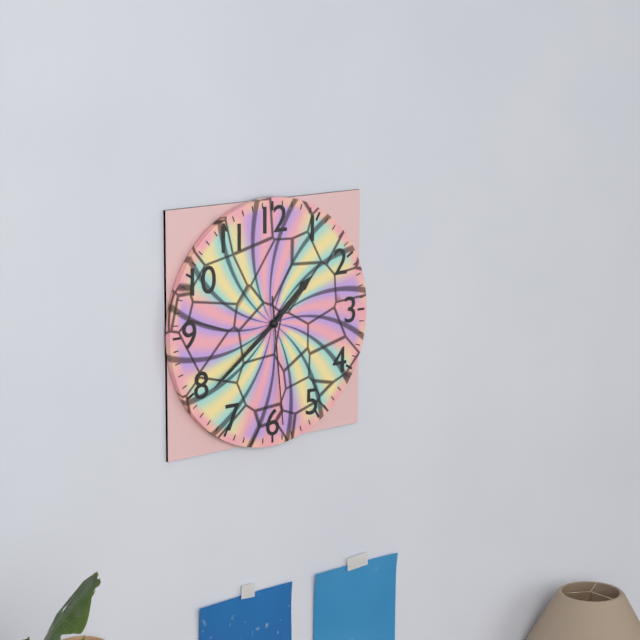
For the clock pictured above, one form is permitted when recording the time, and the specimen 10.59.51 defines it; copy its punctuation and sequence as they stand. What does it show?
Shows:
1.39.29
